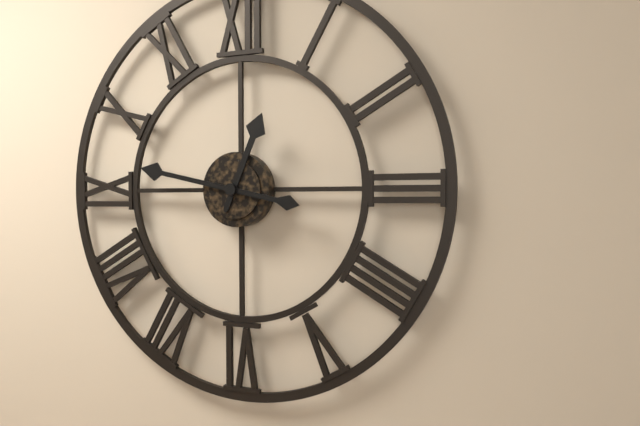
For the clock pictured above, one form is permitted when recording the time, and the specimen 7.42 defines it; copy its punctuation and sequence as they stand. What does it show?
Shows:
12.47
